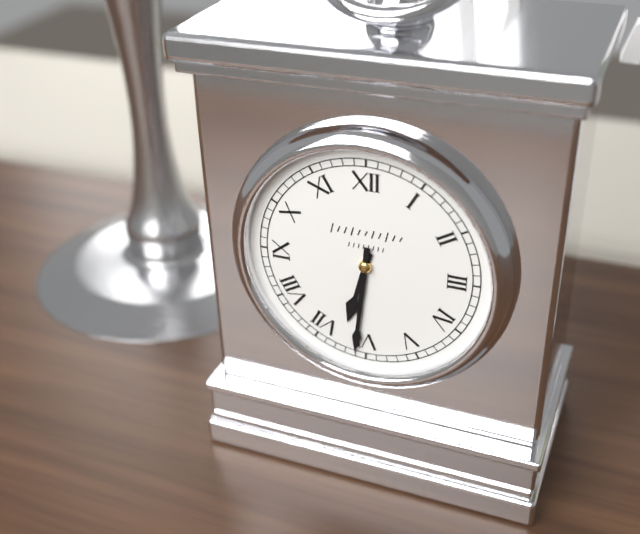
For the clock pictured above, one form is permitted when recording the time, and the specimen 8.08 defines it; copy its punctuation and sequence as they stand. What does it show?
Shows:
6.31
